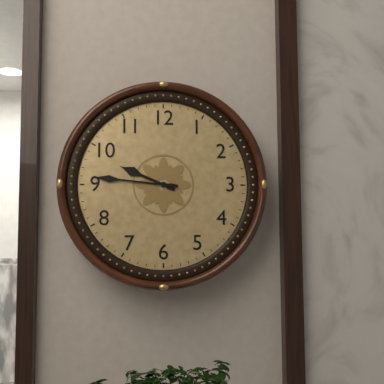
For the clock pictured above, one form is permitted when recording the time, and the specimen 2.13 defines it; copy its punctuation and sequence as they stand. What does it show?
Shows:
9.46
